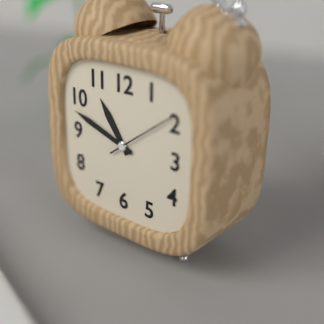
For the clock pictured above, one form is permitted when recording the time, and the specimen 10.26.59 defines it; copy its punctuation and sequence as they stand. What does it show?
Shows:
10.48.09
